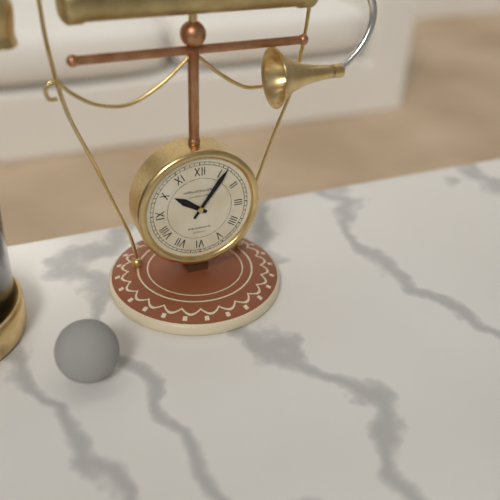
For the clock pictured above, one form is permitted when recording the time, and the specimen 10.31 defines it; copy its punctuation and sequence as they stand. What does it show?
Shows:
10.06
